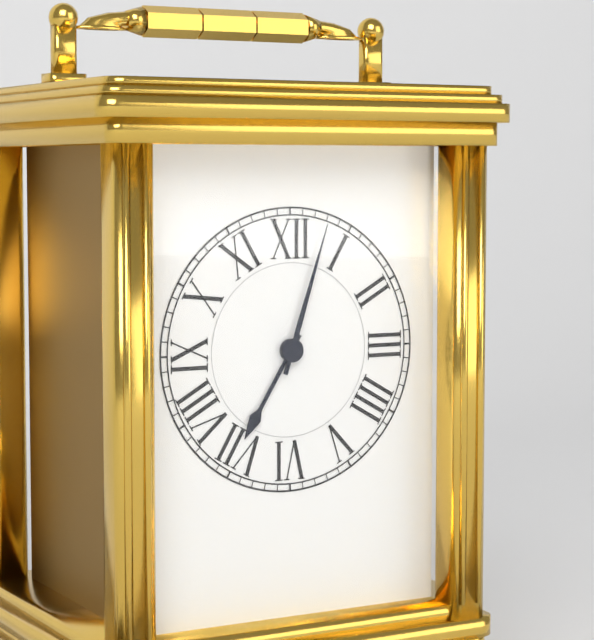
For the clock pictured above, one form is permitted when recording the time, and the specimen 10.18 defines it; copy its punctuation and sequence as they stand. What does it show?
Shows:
7.03
